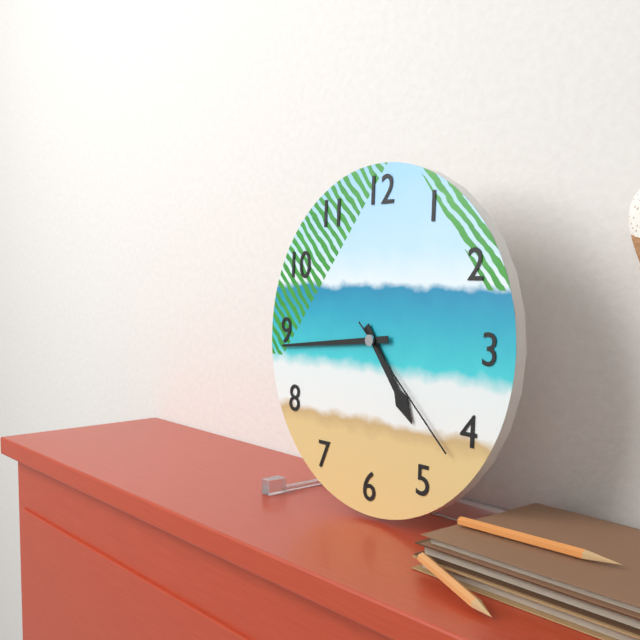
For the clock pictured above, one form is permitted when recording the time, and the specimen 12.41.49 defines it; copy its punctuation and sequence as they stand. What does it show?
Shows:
4.44.22
